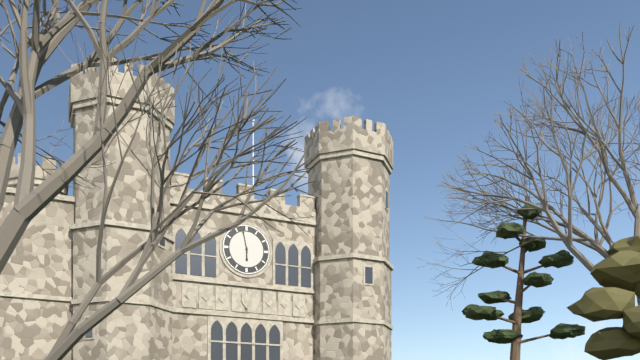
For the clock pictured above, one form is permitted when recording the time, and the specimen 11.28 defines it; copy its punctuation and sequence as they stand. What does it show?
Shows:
5.58
